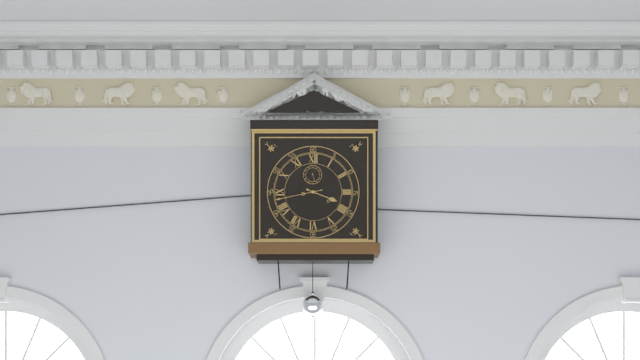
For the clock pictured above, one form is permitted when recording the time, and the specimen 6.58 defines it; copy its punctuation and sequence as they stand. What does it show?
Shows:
3.43
